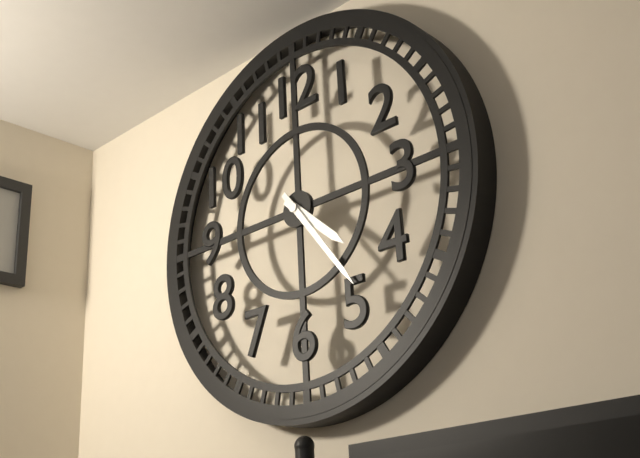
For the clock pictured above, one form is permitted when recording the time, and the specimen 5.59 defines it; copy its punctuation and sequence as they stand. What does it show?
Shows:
4.24
